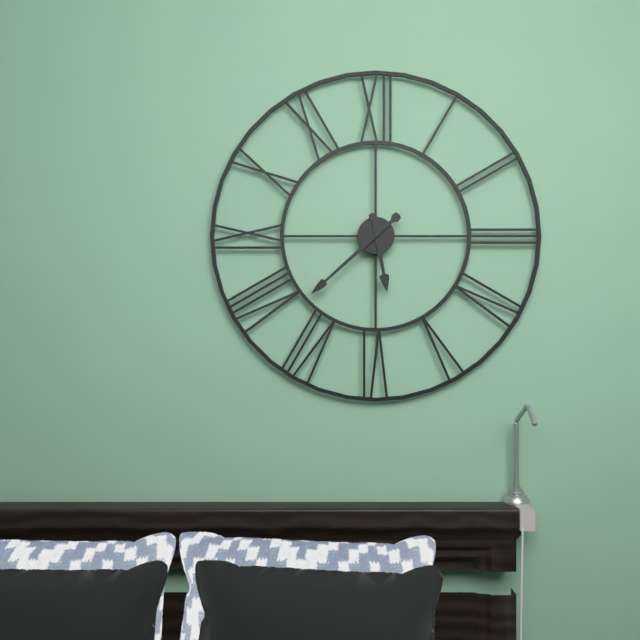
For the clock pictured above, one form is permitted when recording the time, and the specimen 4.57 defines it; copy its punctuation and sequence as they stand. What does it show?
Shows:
5.38
